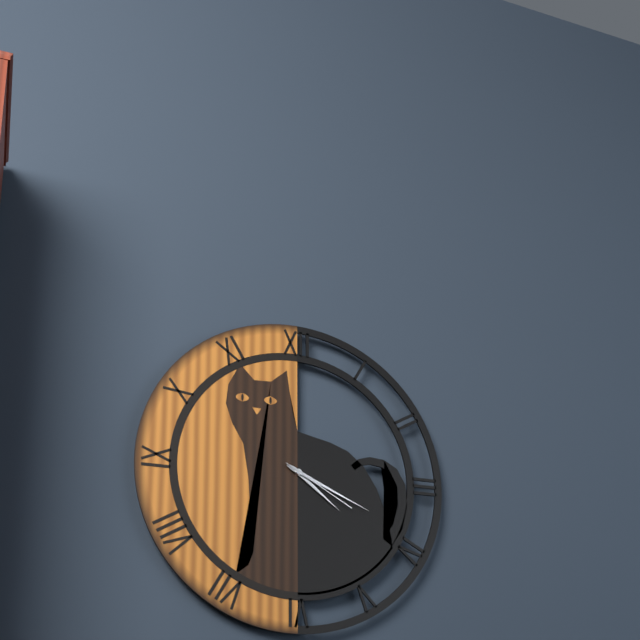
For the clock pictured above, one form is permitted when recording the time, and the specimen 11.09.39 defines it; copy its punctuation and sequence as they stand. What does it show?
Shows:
4.19.20
